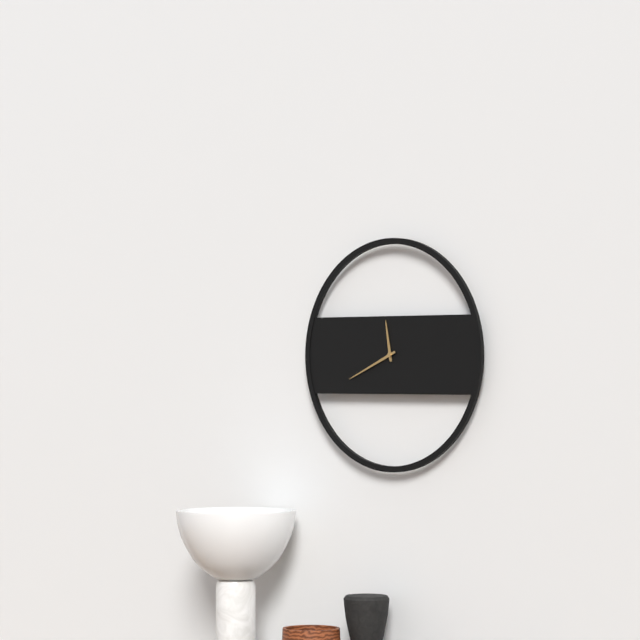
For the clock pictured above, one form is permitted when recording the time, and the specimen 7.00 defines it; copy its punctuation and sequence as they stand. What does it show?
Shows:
11.41
